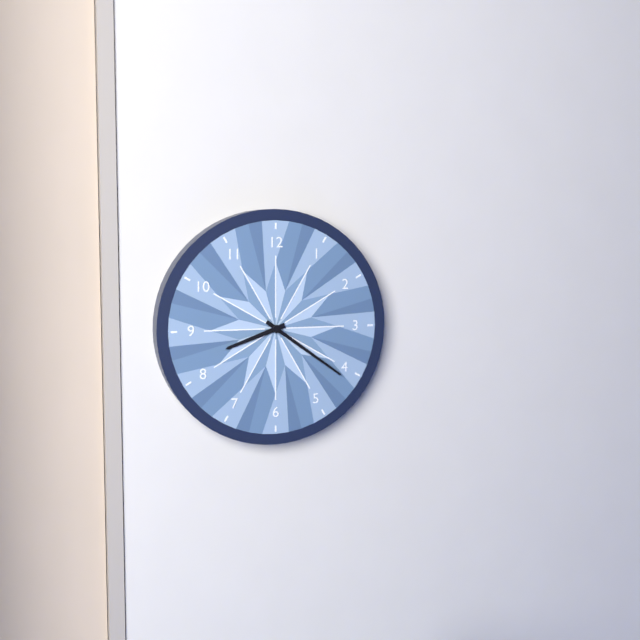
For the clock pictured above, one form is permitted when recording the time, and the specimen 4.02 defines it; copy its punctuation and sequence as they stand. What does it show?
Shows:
8.21
